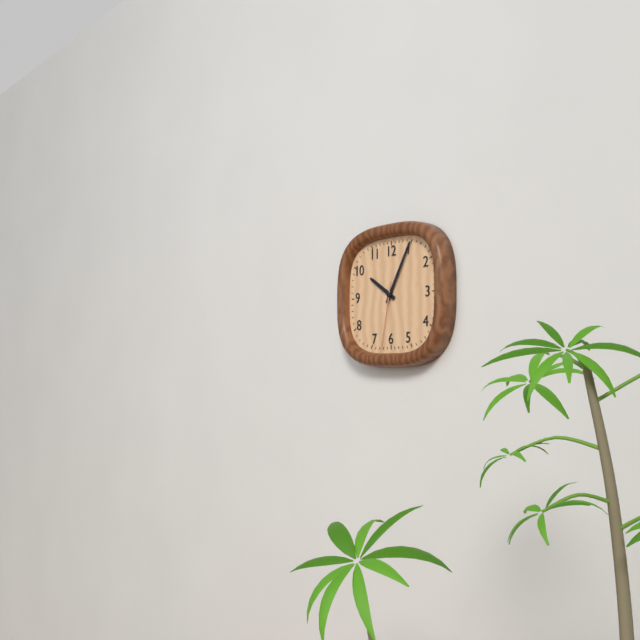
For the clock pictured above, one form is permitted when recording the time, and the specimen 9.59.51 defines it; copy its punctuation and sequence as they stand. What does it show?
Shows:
10.05.32
